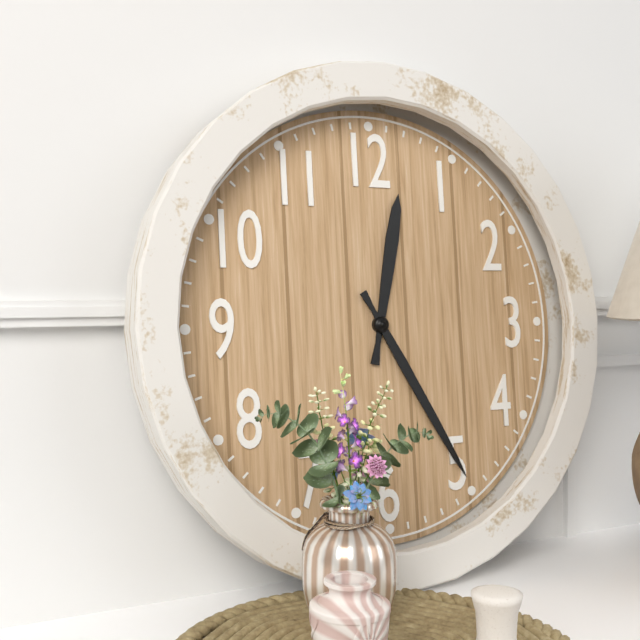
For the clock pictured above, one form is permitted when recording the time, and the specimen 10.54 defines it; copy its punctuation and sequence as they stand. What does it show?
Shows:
12.25
